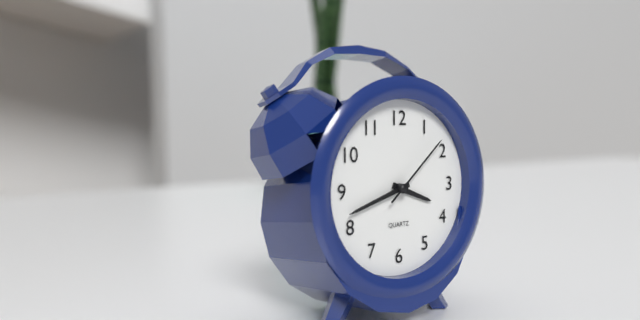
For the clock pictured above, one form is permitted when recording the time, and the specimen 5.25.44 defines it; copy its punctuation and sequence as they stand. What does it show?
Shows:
3.42.08
